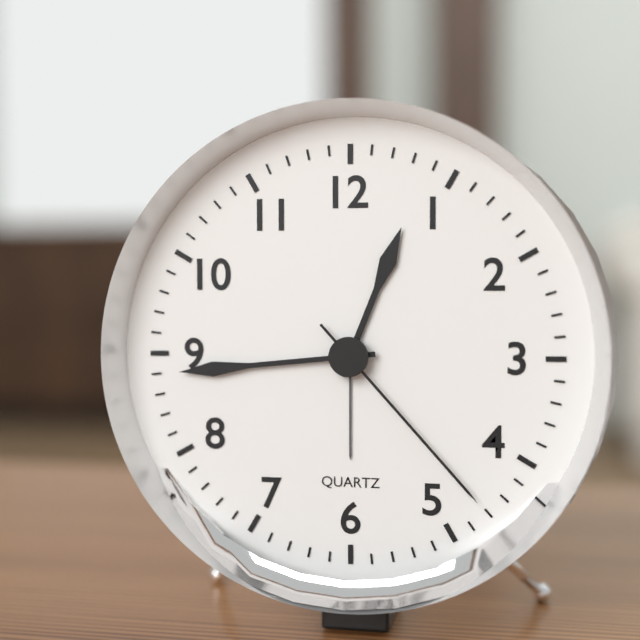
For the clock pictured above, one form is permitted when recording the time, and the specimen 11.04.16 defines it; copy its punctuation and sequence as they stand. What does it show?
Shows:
12.44.23
